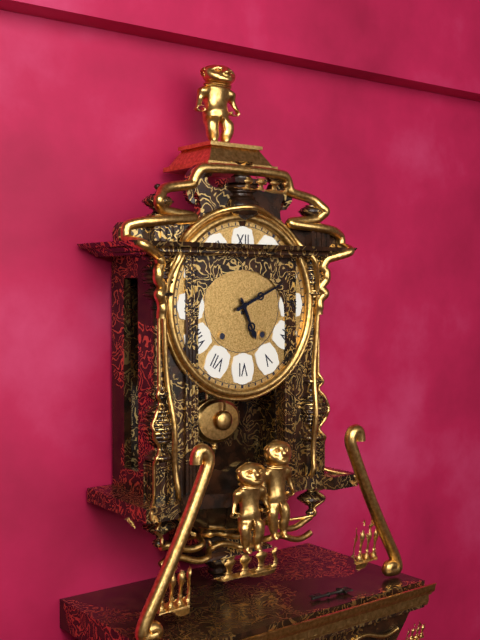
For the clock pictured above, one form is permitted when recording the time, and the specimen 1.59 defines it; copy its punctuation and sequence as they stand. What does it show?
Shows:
5.11
